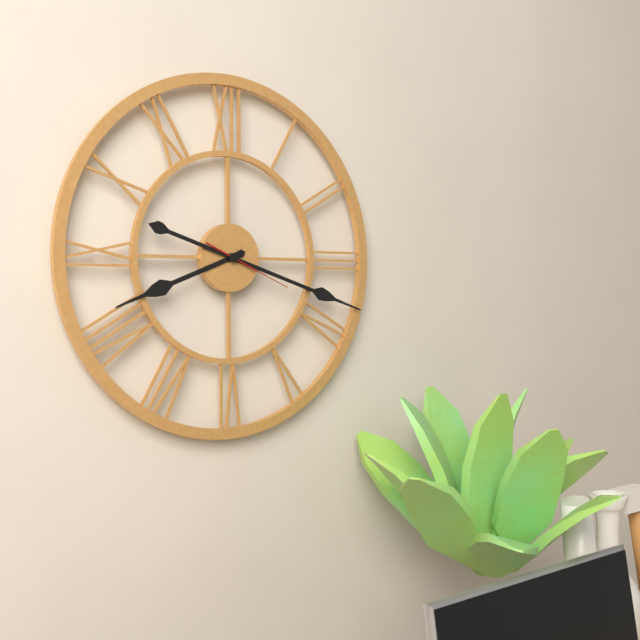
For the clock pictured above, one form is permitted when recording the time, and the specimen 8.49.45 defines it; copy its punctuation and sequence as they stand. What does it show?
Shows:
8.18.19
